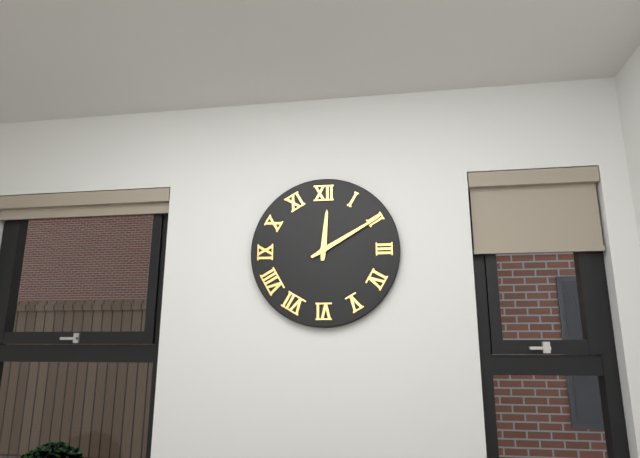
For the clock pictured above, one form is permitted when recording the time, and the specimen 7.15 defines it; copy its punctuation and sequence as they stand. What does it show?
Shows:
12.10
